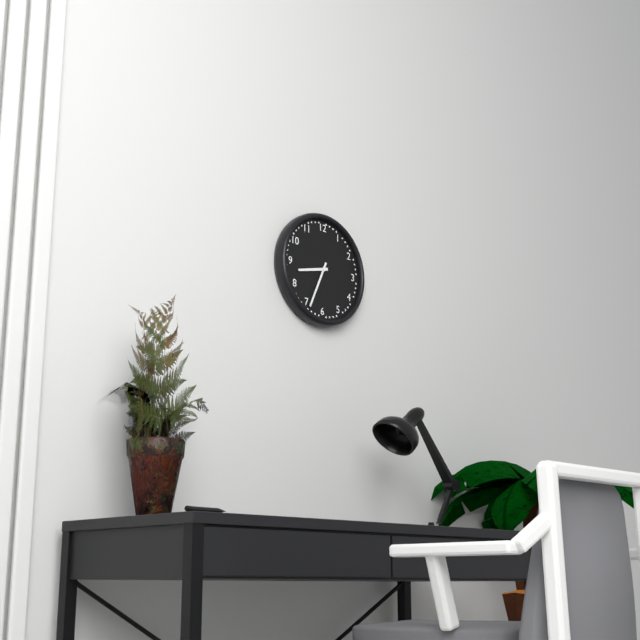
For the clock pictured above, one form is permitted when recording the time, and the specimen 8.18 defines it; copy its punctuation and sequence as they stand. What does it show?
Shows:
8.34
